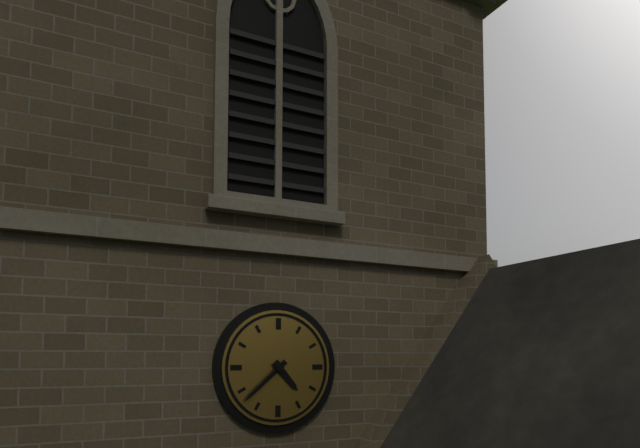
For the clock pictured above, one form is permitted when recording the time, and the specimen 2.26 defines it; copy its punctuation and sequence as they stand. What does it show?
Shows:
4.38
